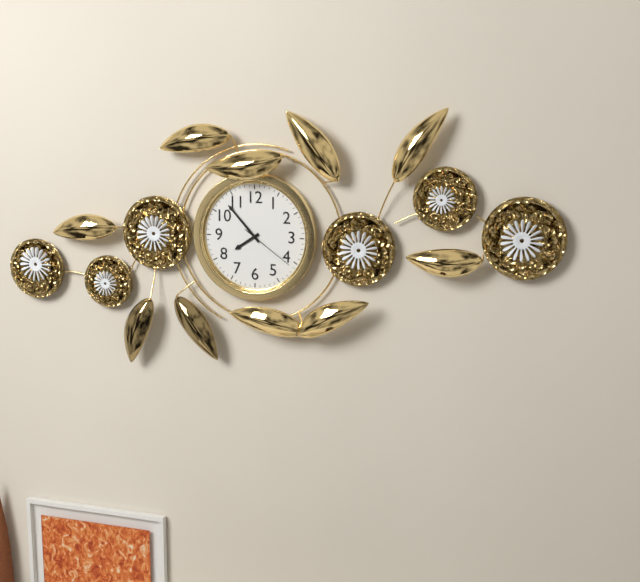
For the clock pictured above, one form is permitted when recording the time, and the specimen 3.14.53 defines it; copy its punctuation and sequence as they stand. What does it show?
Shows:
7.53.21
